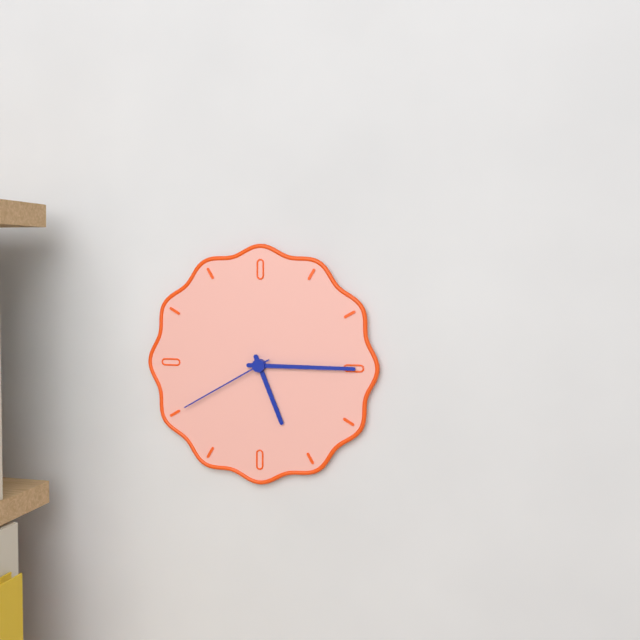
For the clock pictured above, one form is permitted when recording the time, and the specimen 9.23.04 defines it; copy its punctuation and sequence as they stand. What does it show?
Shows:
5.15.40
